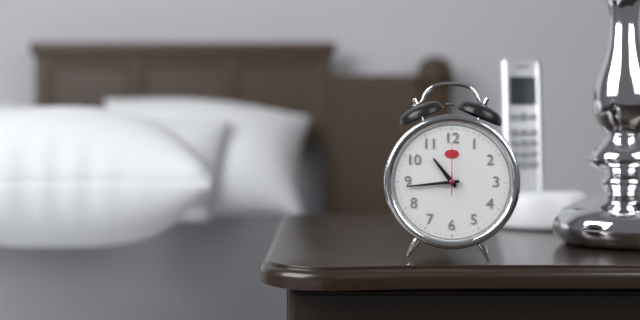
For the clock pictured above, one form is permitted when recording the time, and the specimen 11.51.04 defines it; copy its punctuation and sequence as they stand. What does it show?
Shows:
10.44.00
